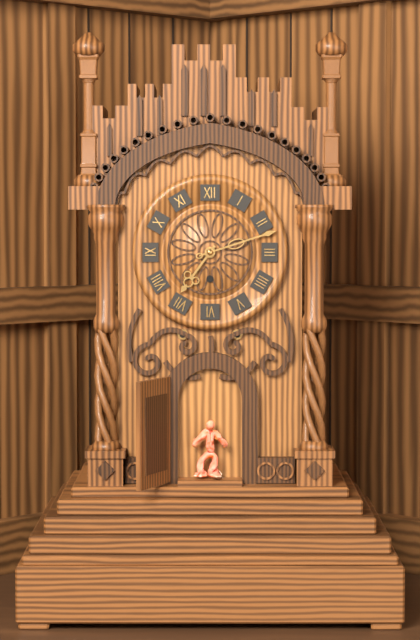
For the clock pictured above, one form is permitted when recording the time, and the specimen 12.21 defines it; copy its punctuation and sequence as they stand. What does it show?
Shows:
7.12
